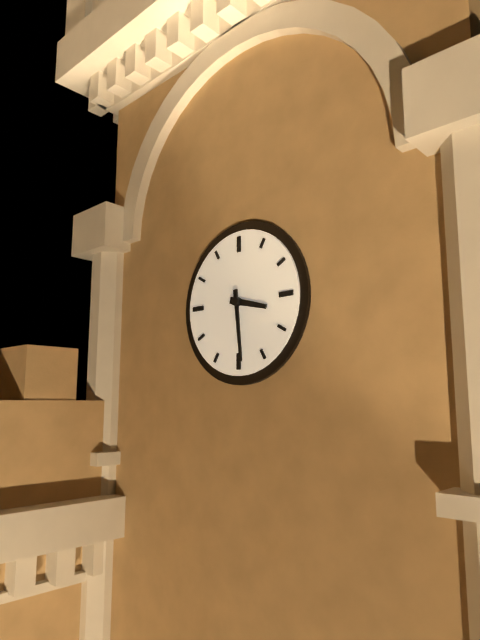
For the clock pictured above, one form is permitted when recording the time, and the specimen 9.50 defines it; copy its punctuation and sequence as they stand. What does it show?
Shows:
3.29
